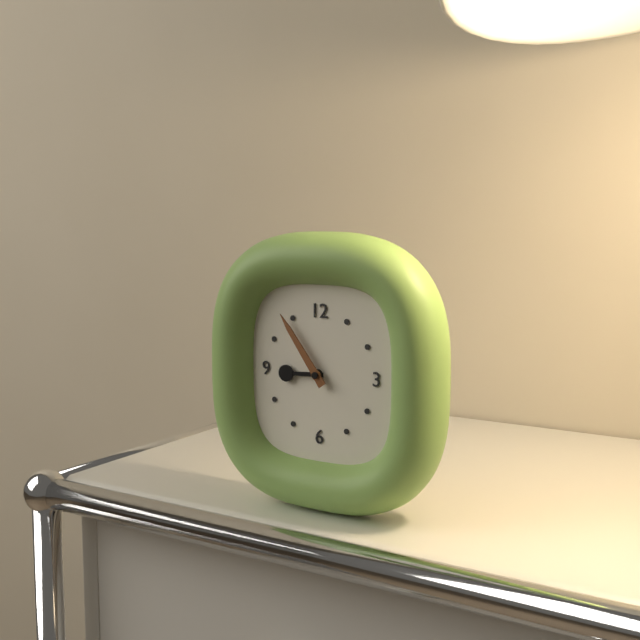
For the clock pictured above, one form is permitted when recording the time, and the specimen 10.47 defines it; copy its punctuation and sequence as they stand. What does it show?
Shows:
8.54
